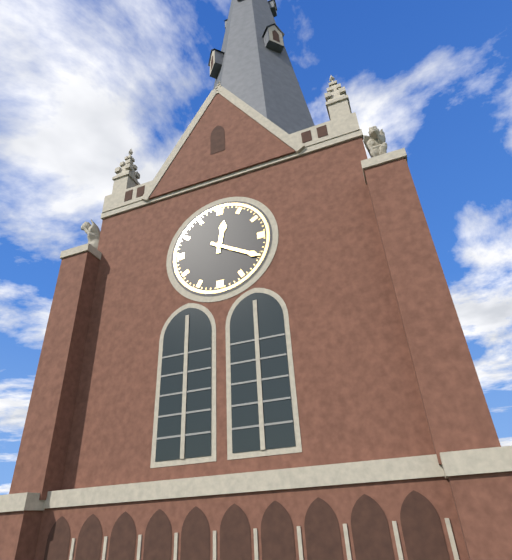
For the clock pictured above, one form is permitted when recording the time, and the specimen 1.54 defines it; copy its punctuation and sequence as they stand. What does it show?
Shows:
12.20
